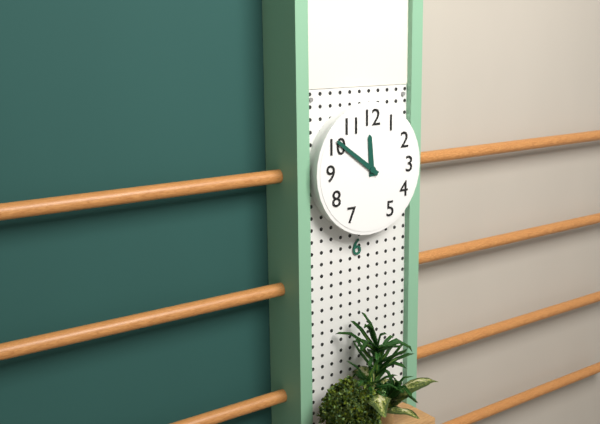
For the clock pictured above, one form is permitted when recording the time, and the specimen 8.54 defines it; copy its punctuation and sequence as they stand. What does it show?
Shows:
11.51
